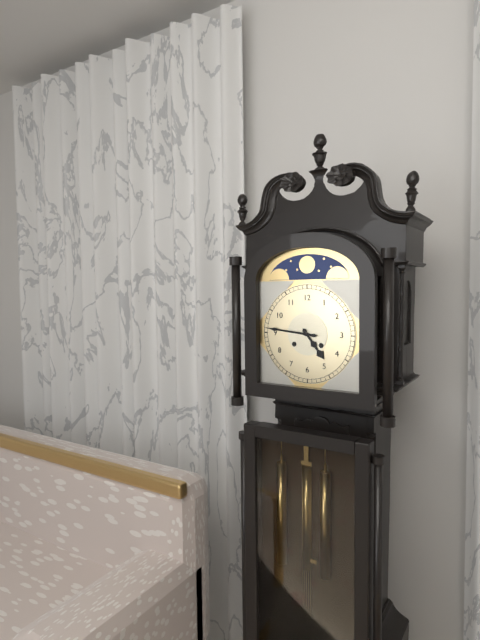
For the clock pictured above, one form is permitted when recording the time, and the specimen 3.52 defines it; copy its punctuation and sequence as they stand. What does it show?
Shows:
4.46
